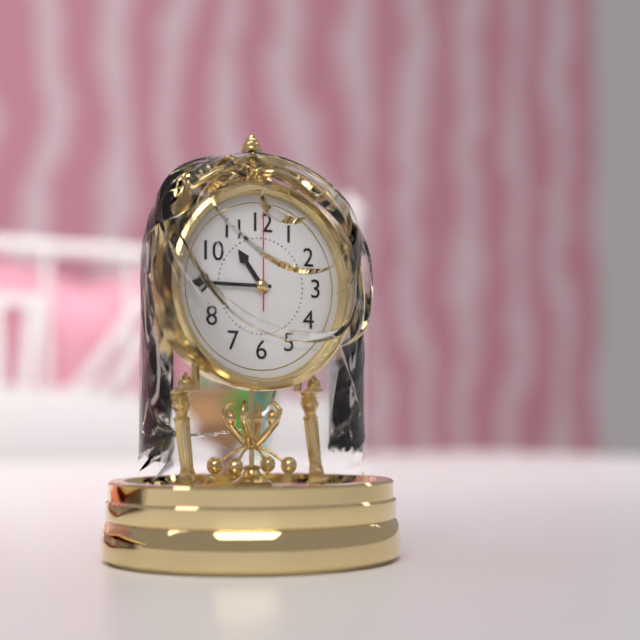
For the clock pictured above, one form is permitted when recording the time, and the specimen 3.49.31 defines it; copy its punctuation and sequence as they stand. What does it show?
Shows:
10.45.00
